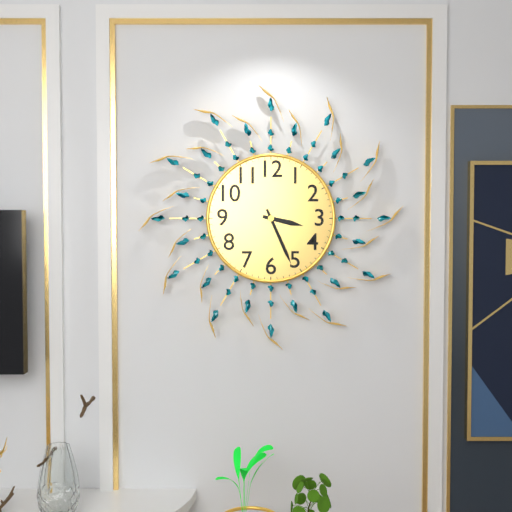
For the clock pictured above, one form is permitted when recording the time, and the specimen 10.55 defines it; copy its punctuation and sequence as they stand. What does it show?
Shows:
3.26
